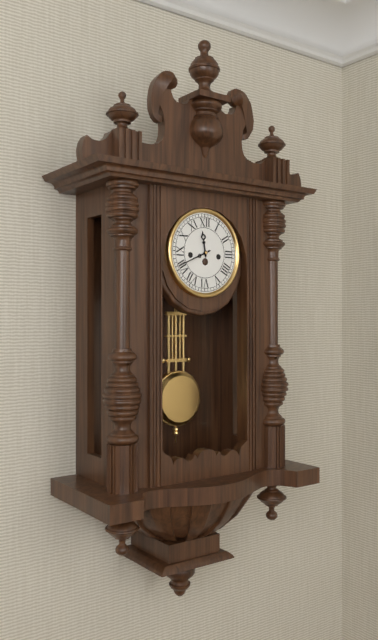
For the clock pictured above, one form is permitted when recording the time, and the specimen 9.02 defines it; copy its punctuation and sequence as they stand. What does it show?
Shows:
11.41
